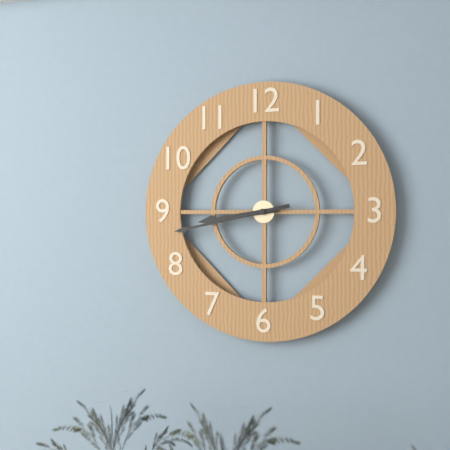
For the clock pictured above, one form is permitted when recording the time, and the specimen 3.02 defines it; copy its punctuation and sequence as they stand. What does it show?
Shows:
8.43
